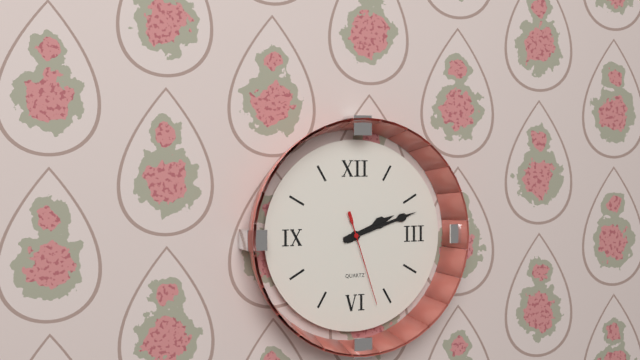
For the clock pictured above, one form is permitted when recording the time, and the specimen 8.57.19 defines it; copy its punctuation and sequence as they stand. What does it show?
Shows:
2.12.27
